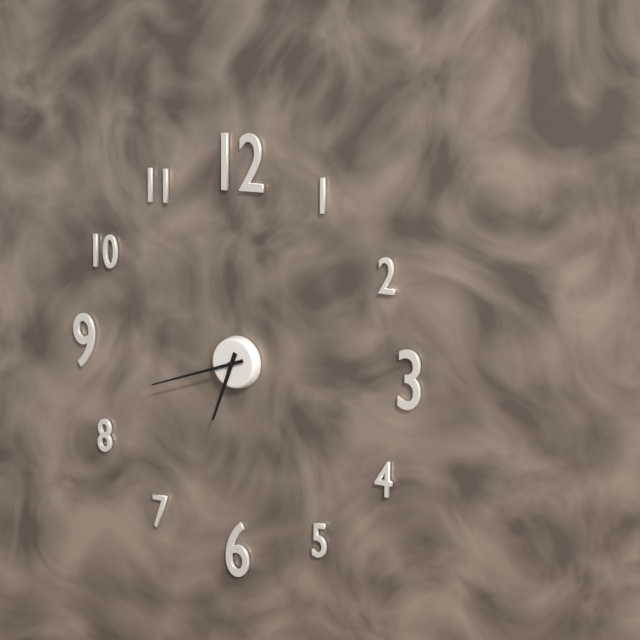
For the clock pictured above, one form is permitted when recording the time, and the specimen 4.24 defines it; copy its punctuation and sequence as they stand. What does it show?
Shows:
6.42
